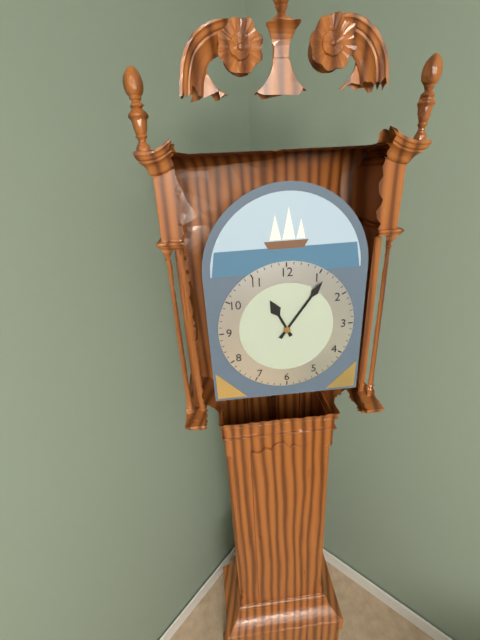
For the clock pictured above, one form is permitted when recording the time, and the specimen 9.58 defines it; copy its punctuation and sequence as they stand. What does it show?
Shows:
11.06
